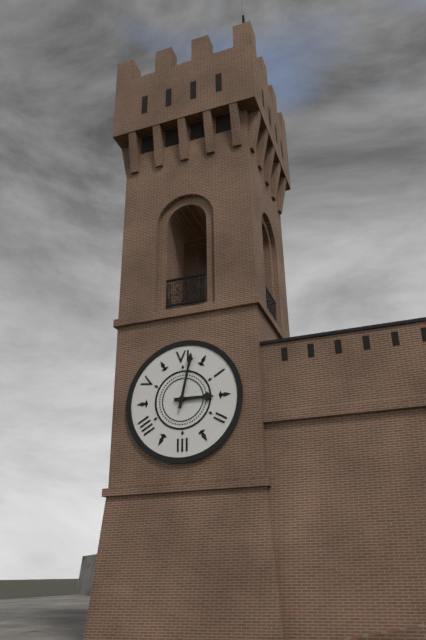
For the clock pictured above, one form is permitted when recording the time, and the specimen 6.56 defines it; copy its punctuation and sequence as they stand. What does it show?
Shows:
3.02
